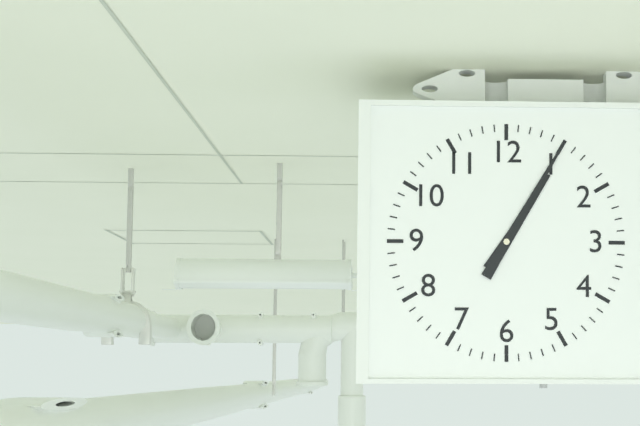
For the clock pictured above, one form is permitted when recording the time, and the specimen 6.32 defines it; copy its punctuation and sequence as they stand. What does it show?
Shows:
1.05
